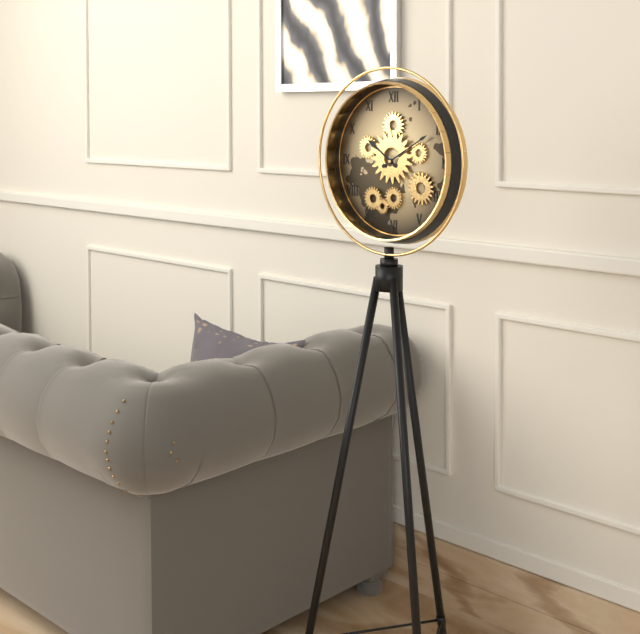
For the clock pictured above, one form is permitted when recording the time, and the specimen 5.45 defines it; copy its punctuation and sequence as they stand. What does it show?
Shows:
10.10
